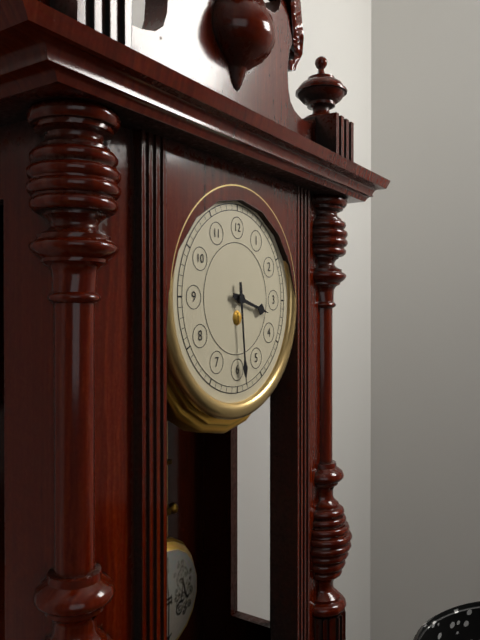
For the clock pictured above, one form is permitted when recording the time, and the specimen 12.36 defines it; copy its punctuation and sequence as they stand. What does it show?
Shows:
3.29
